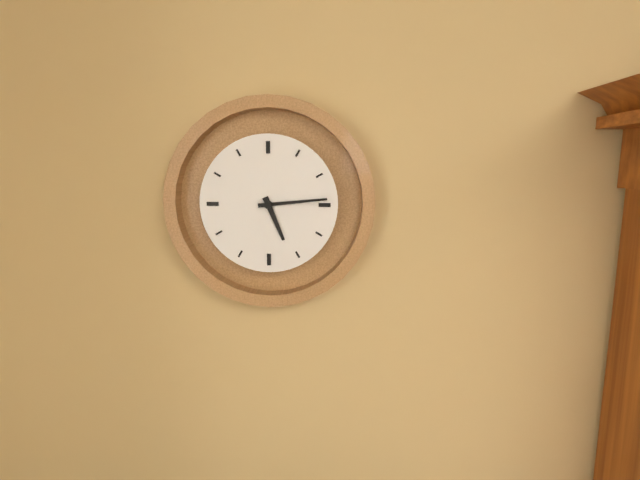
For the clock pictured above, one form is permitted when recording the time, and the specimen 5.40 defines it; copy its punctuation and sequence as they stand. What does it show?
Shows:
5.14
